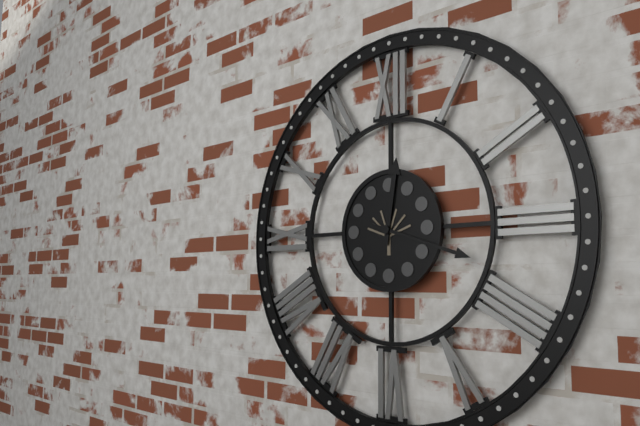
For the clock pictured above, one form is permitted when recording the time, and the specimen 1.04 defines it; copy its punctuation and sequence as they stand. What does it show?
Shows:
12.18
